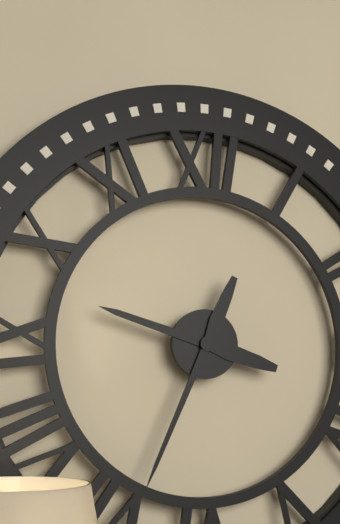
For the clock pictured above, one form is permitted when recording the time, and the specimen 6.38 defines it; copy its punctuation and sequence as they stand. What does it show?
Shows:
9.34
